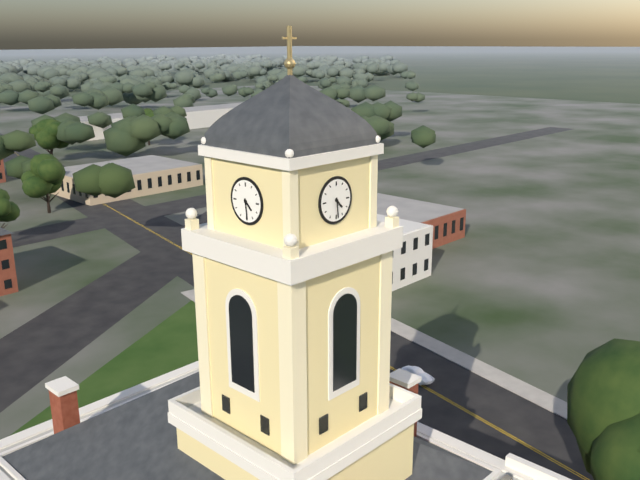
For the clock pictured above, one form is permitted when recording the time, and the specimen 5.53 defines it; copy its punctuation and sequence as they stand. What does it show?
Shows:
4.29
